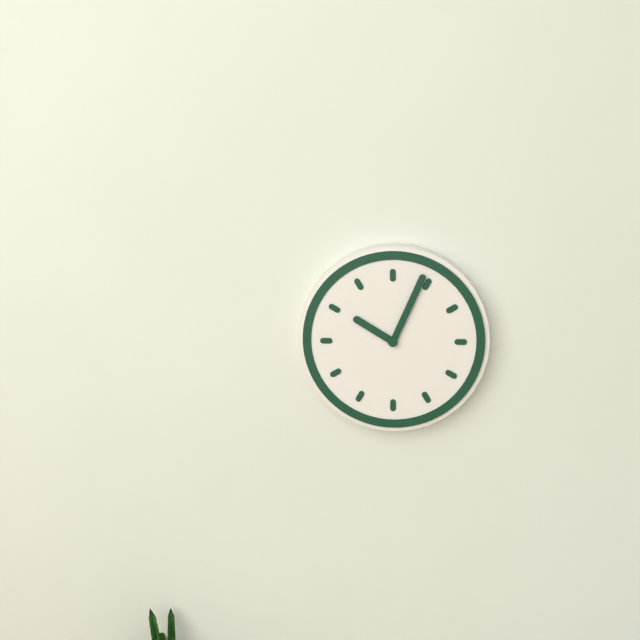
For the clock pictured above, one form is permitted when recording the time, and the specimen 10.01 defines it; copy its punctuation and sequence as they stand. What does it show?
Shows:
10.04
